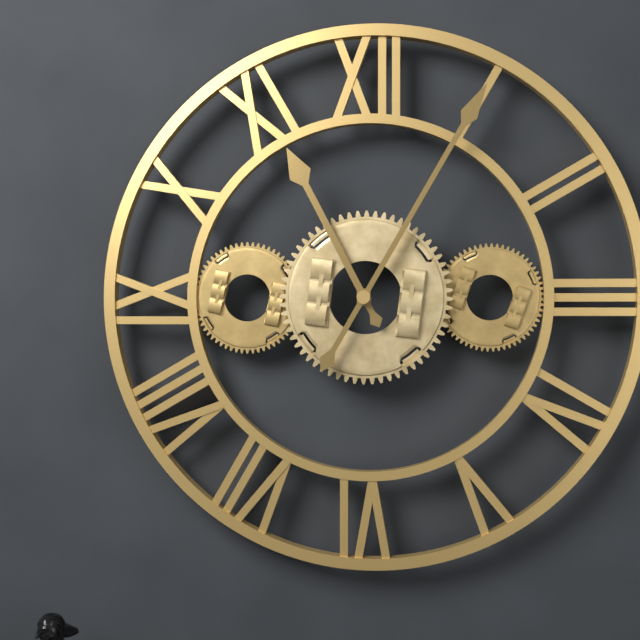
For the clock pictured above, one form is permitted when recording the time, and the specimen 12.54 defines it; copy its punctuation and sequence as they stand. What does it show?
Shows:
11.05
